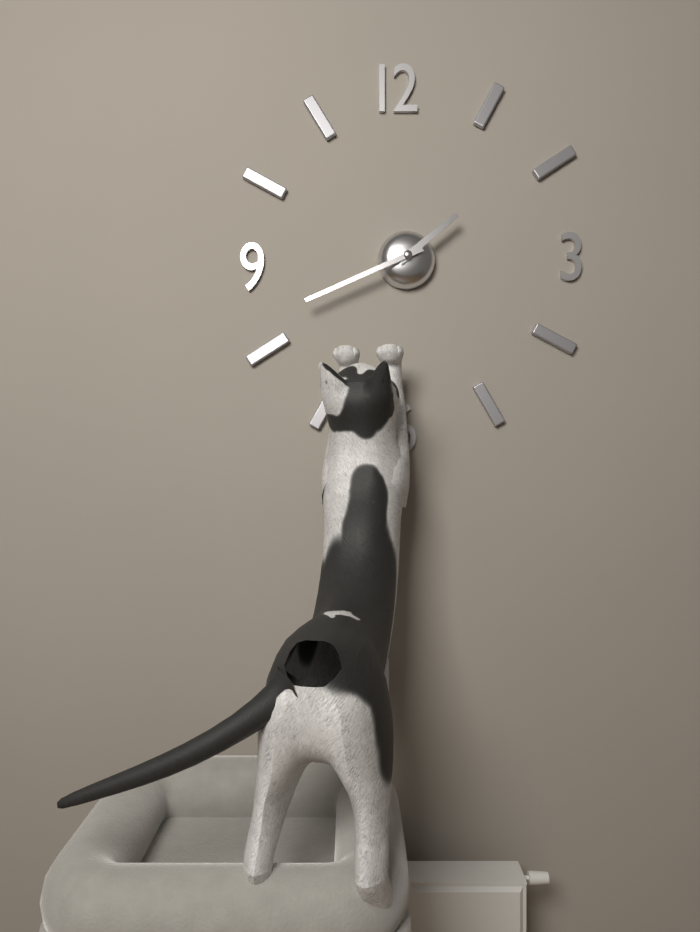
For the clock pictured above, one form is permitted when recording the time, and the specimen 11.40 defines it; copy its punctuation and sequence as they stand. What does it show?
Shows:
1.41
